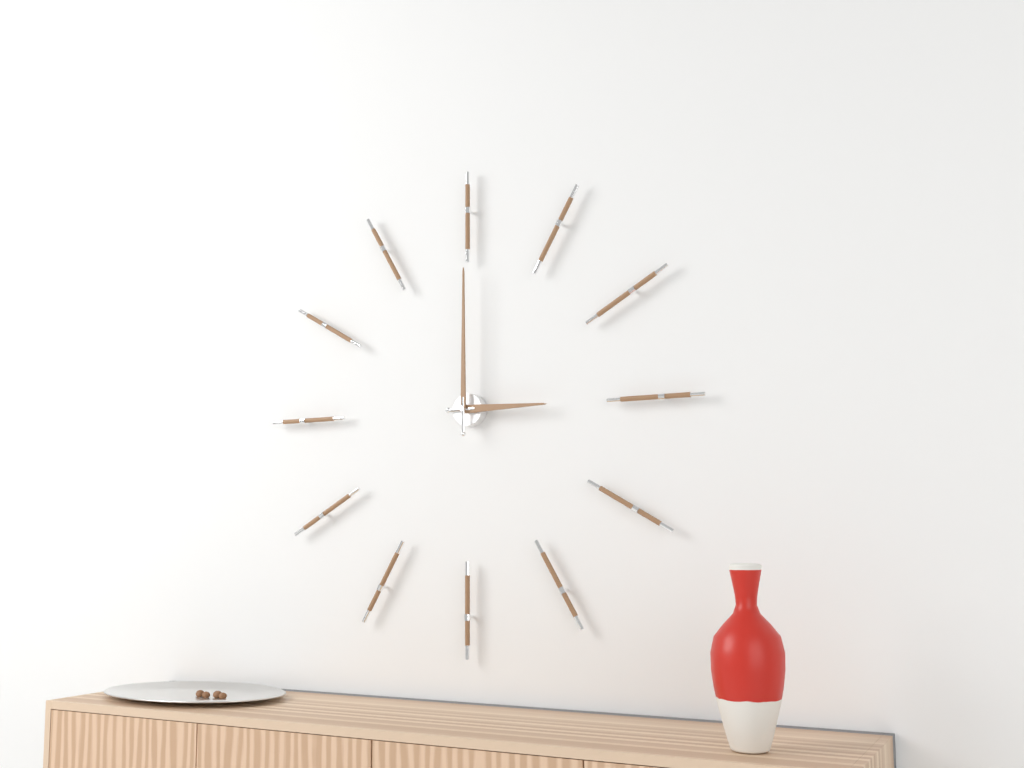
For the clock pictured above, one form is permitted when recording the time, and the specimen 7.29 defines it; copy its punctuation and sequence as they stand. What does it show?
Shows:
3.00
